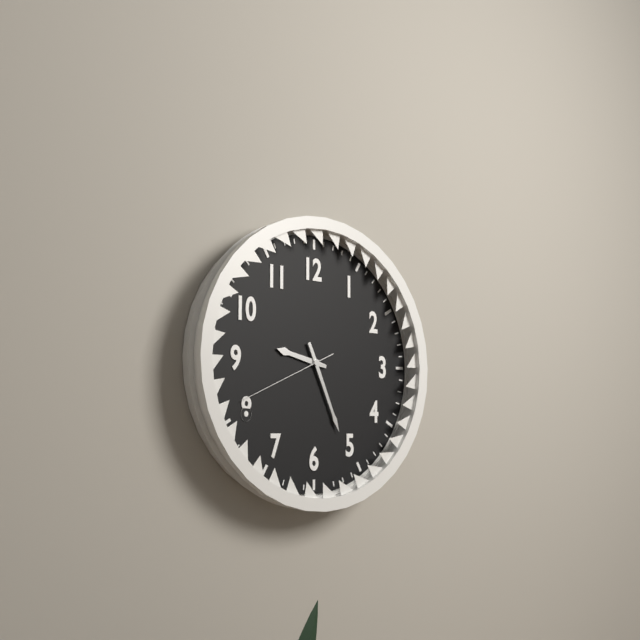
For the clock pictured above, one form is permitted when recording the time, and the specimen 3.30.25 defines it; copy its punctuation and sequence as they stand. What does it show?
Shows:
9.26.41
